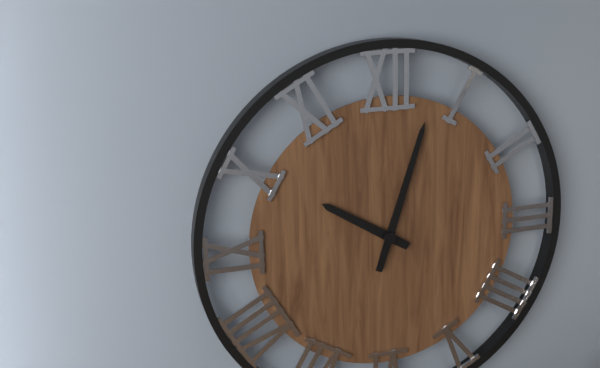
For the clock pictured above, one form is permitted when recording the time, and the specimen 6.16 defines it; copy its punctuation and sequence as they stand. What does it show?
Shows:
10.03
